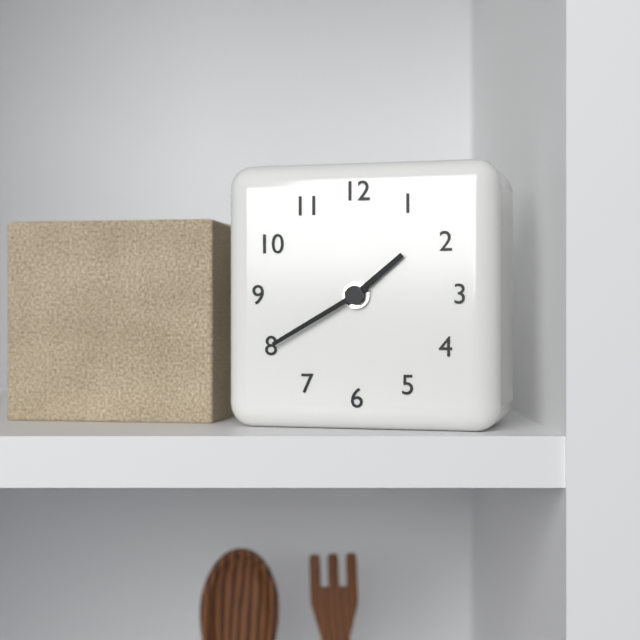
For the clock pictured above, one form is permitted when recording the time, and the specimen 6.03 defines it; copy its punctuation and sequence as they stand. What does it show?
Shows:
1.40
